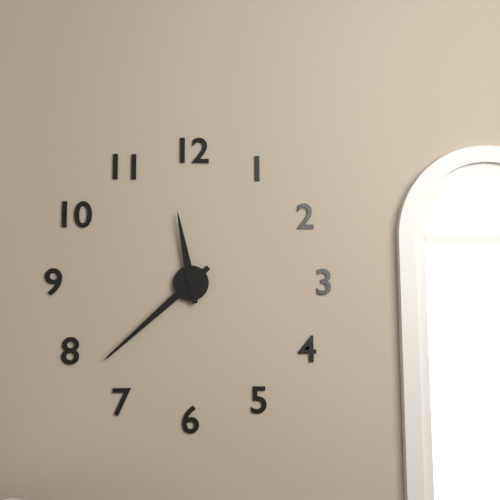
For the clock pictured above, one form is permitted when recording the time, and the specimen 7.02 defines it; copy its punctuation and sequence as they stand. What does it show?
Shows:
11.38
